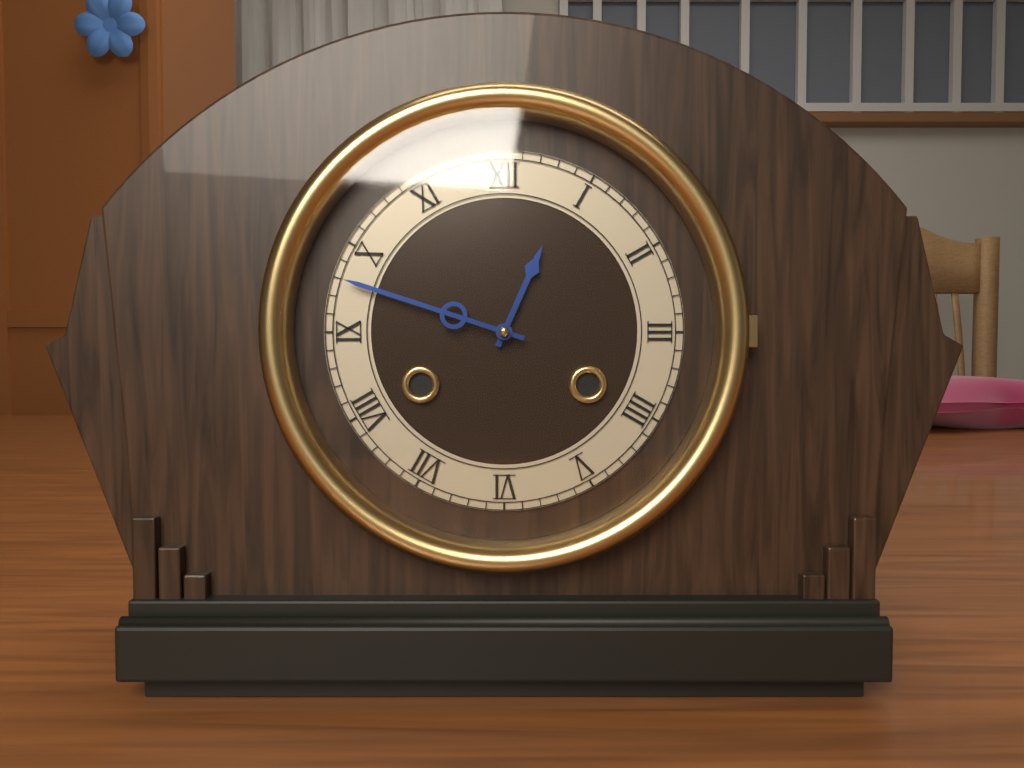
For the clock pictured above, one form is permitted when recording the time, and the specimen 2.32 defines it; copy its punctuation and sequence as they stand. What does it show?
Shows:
12.48
